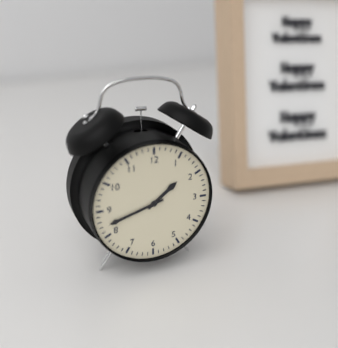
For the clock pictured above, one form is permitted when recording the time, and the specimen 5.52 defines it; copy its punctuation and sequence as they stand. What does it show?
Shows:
1.42
